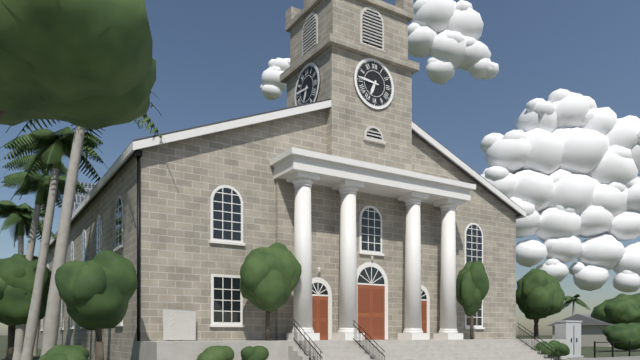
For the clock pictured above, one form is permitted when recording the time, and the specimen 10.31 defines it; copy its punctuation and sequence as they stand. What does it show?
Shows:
6.46
